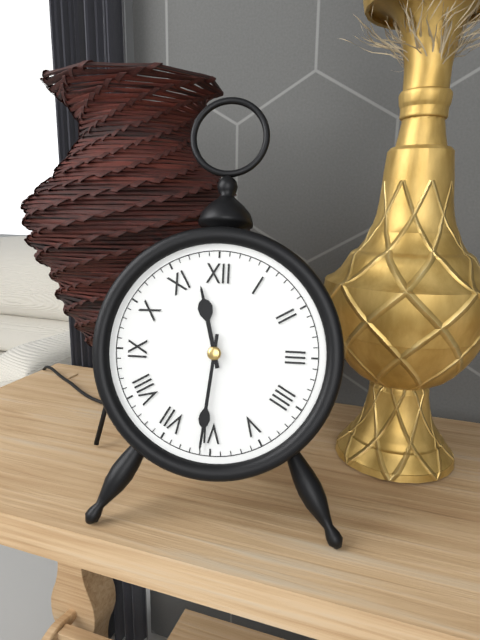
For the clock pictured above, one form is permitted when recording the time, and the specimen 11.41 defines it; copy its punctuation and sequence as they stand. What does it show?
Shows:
11.31
